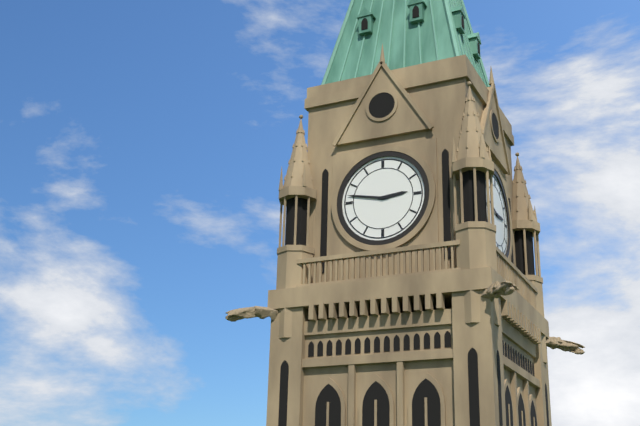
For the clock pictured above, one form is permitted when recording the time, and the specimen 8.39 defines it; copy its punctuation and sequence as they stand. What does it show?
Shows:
2.47
